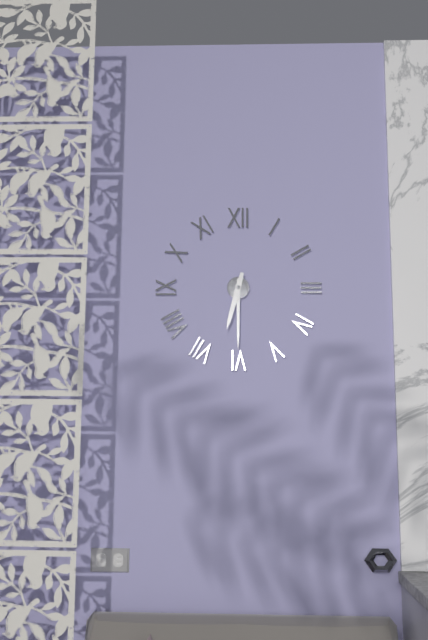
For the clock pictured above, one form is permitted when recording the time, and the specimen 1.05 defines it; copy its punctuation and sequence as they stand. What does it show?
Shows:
6.30
